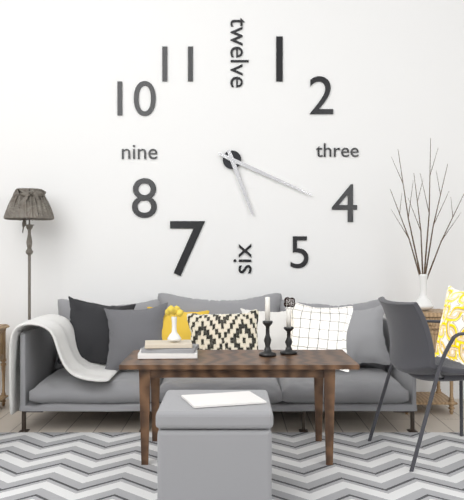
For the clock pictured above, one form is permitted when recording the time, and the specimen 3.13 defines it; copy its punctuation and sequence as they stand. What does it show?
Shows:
5.19
